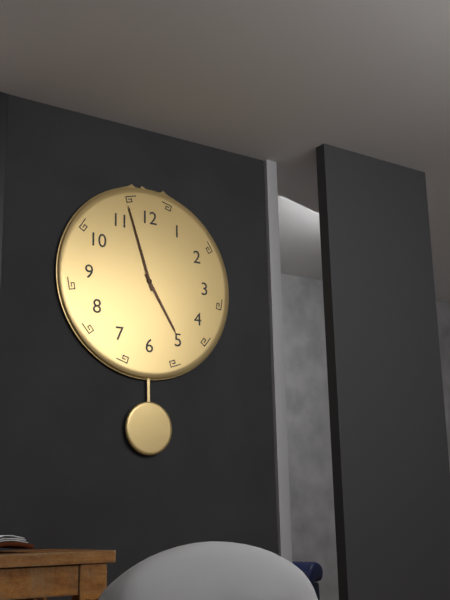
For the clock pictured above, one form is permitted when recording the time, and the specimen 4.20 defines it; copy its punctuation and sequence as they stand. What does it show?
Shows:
4.57
